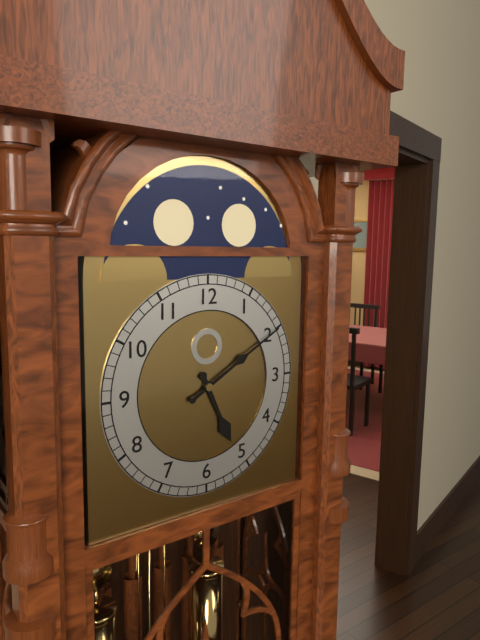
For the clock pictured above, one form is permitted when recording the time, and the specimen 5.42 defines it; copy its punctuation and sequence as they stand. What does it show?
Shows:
5.10
